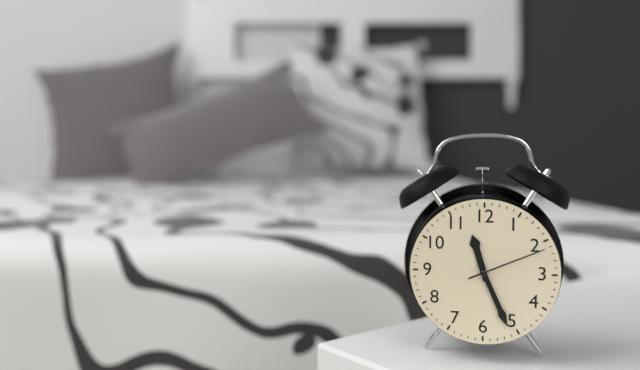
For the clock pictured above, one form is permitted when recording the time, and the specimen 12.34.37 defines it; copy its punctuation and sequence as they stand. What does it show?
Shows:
11.26.11
